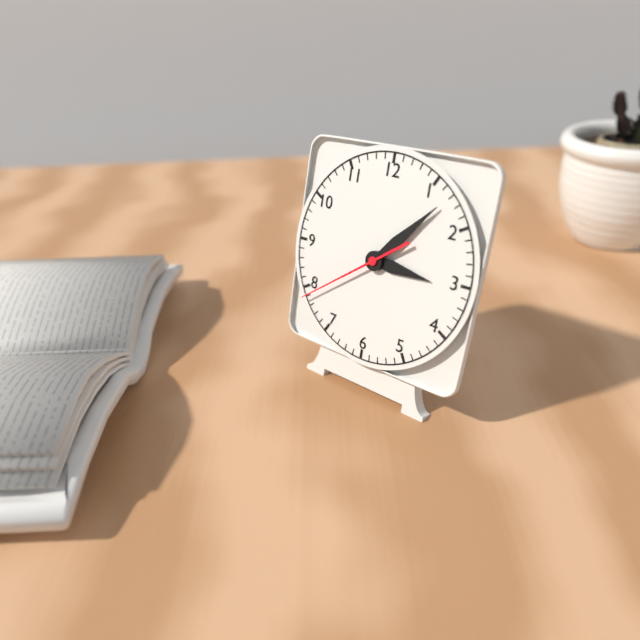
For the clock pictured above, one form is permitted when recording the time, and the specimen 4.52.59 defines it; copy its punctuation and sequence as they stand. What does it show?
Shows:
3.07.39
